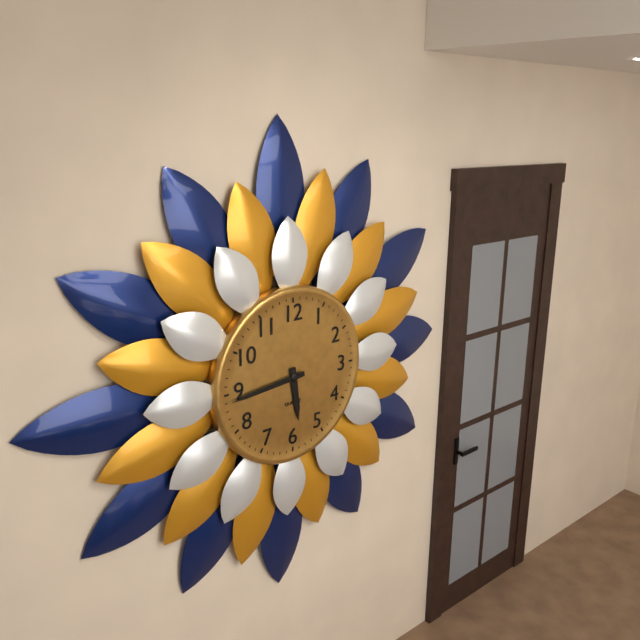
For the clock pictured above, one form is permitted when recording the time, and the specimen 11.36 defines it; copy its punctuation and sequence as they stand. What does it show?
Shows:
5.44
